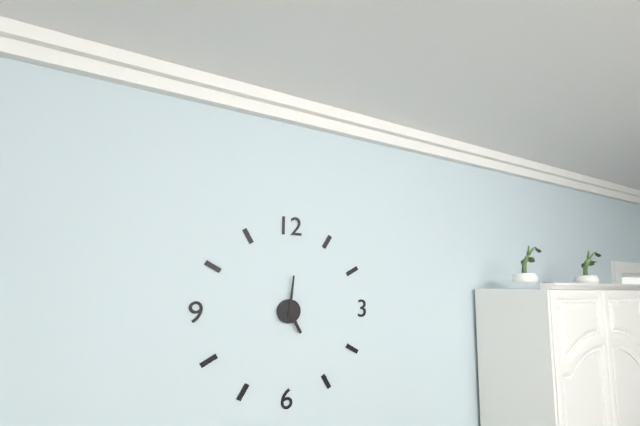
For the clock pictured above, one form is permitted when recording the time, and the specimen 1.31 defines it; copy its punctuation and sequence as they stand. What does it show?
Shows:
5.01
